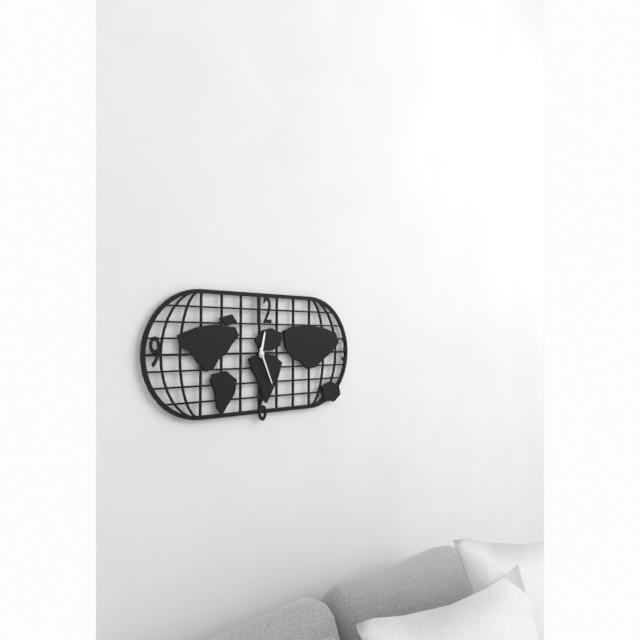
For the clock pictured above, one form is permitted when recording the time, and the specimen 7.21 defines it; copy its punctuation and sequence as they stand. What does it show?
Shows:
12.26
